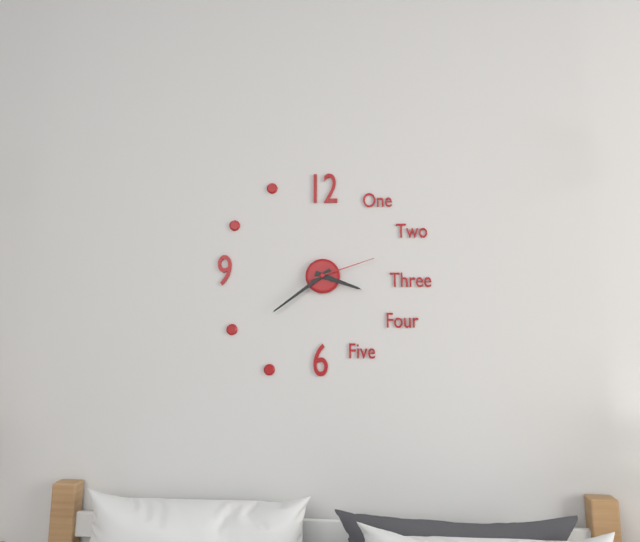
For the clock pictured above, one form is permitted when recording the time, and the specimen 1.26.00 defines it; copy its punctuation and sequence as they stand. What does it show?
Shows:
3.39.12
